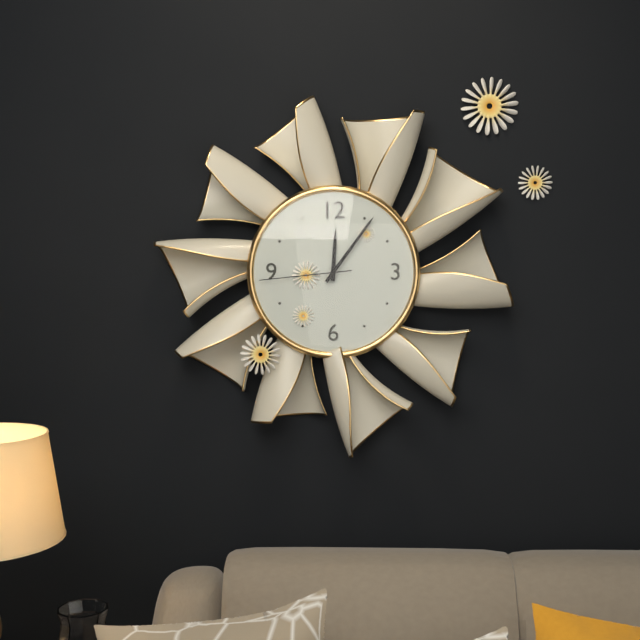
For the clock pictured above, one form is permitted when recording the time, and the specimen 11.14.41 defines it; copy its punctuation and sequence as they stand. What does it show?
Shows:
12.06.44
